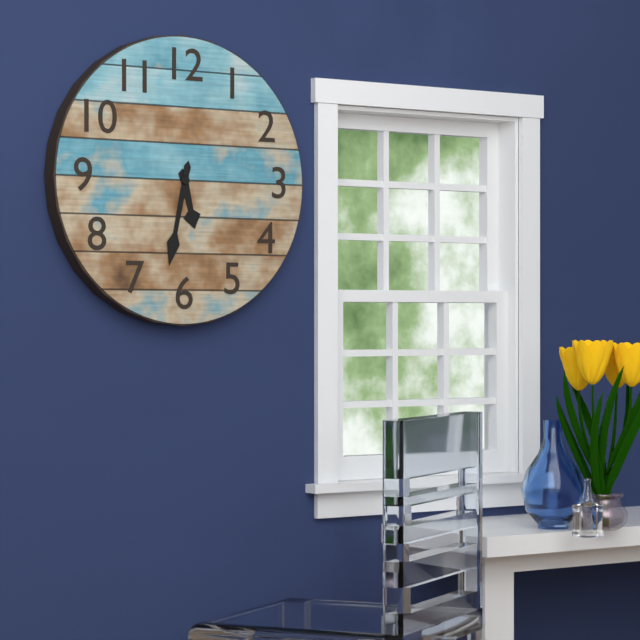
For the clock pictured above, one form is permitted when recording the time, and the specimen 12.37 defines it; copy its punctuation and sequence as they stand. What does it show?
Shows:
5.32
